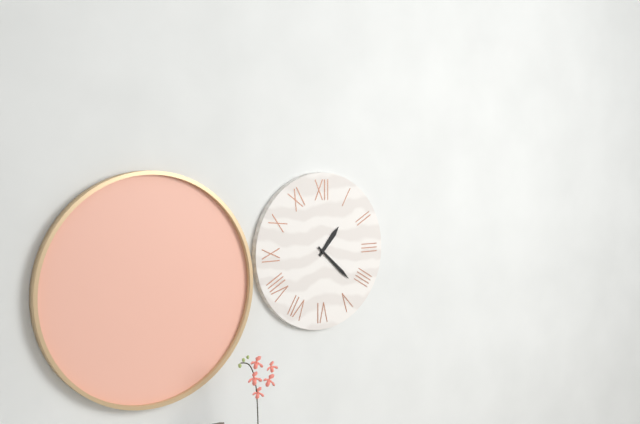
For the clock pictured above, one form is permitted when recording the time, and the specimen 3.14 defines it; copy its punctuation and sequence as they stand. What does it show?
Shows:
1.22
